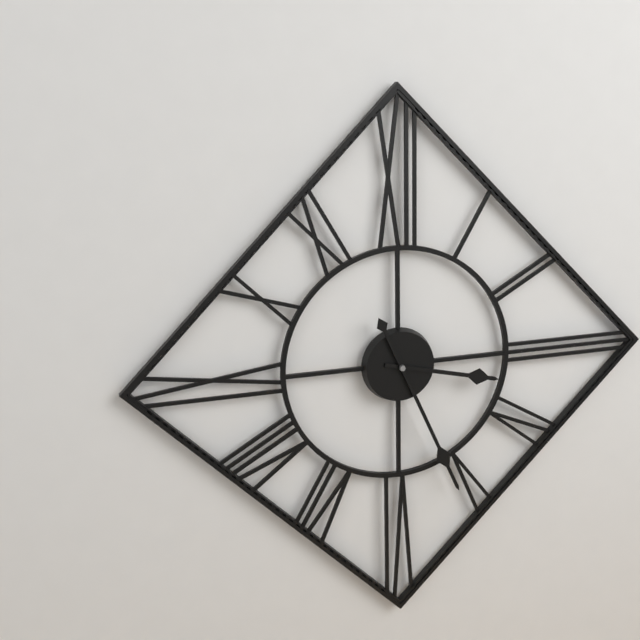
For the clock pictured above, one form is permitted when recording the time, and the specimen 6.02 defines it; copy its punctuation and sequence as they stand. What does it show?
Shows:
3.26
